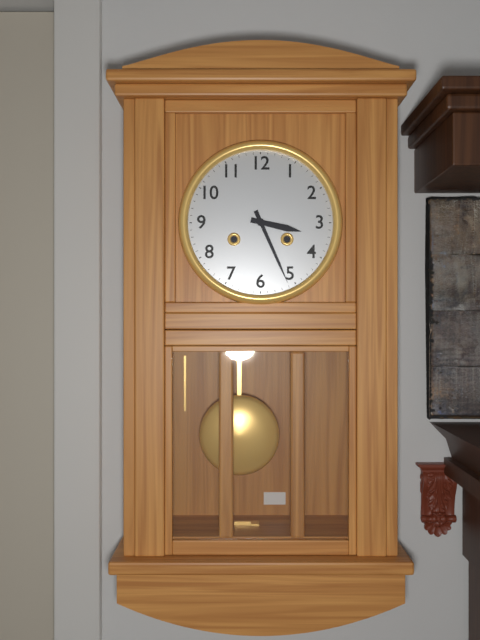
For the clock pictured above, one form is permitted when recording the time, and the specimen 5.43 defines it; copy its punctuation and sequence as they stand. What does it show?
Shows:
3.26
